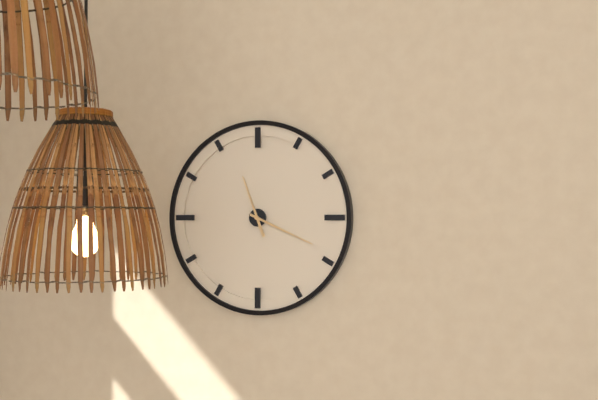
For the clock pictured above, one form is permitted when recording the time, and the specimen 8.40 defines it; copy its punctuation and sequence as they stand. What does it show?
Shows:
11.19
